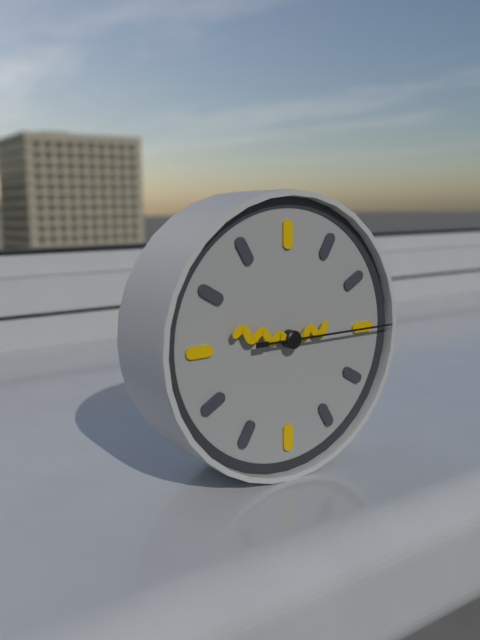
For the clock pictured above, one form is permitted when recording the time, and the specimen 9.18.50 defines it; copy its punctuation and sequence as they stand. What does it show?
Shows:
2.47.15
